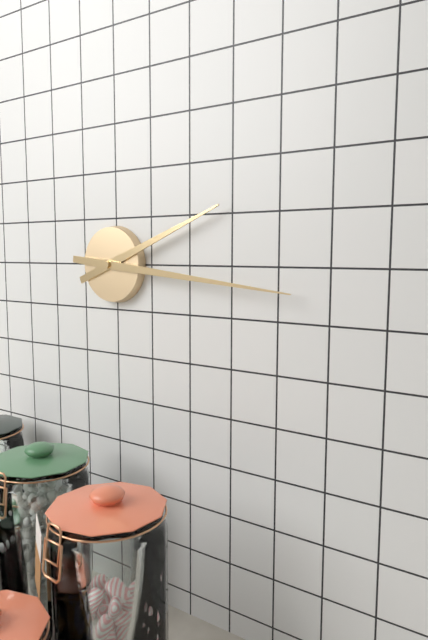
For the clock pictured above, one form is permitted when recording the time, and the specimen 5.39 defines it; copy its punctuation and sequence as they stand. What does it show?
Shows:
2.16
